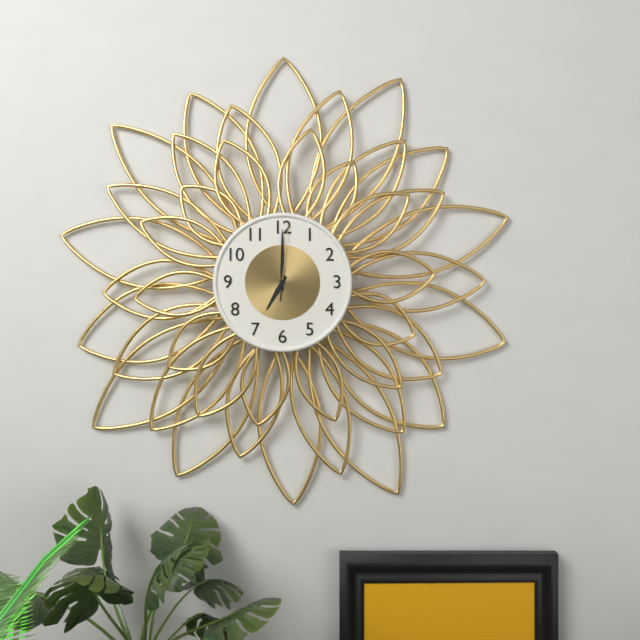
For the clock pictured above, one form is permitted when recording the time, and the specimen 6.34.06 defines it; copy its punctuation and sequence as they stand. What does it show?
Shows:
7.00.01
